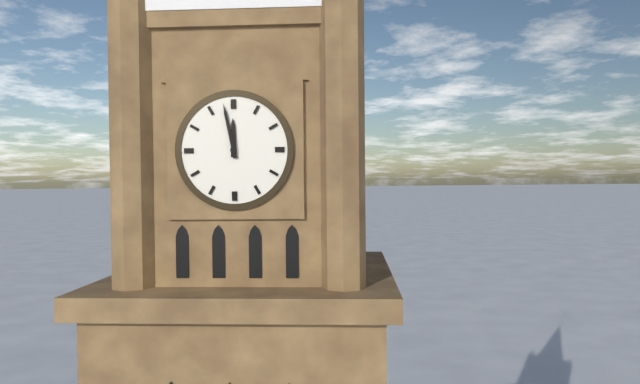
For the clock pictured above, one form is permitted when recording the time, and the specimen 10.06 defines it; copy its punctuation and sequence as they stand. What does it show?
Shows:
11.58
